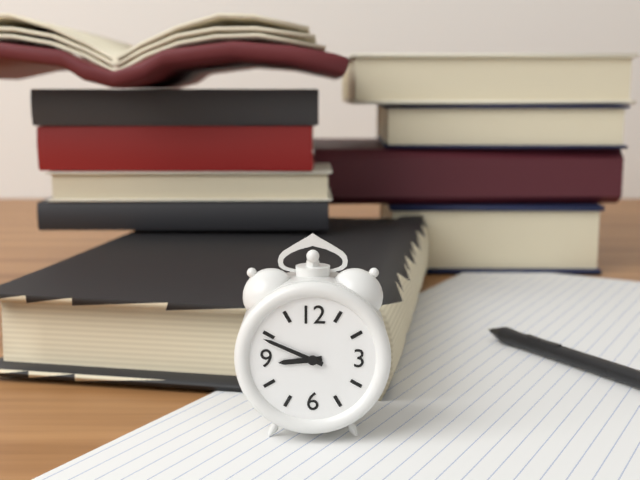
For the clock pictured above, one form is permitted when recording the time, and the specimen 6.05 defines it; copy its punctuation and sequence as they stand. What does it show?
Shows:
8.49
